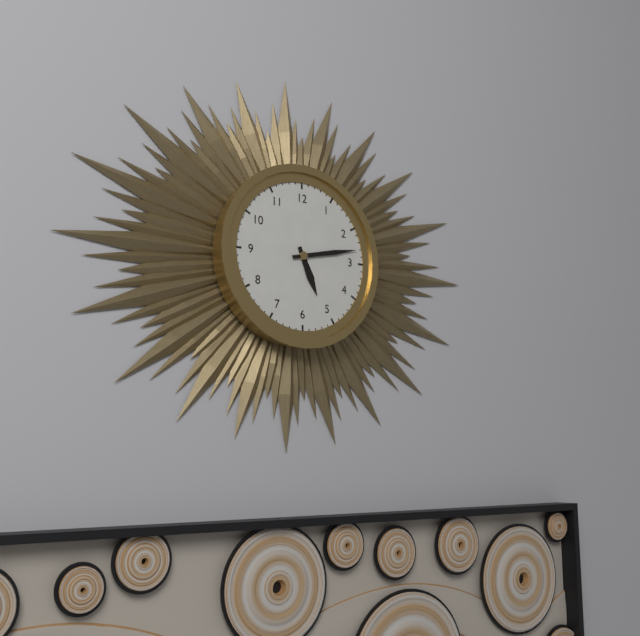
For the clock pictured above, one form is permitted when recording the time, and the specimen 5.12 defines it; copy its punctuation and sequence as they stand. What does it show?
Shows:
5.13
